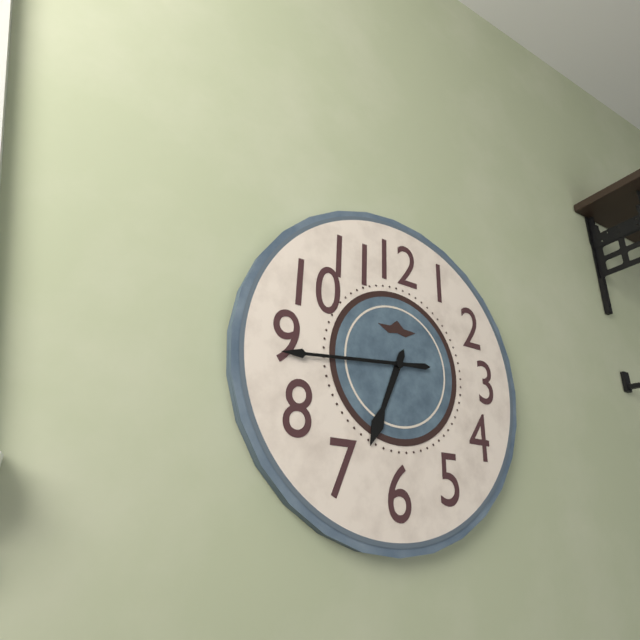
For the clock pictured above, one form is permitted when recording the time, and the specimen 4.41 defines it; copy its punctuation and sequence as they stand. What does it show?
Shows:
6.44
